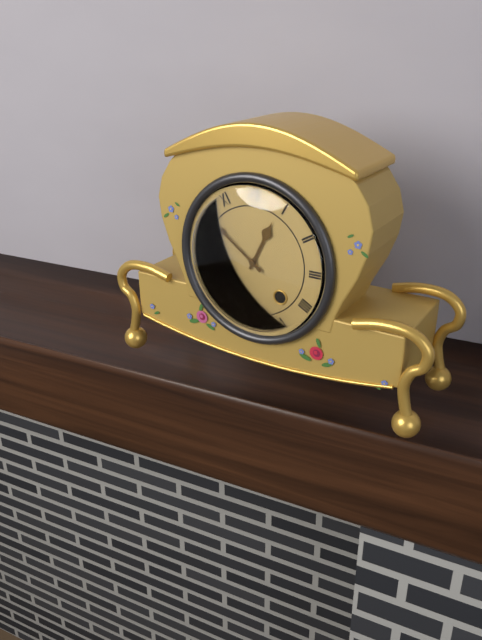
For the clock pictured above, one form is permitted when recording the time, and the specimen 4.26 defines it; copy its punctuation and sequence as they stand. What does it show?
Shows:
12.51
